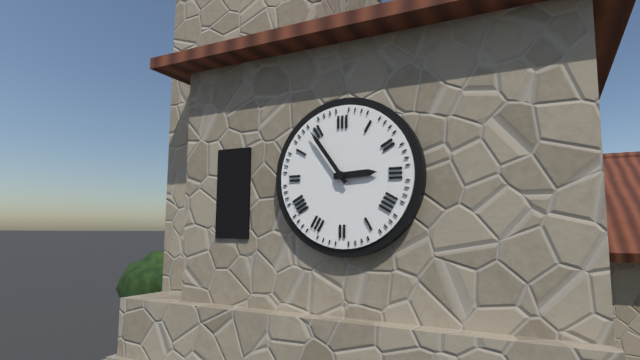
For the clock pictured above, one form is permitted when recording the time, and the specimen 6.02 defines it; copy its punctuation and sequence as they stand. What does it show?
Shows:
2.54
